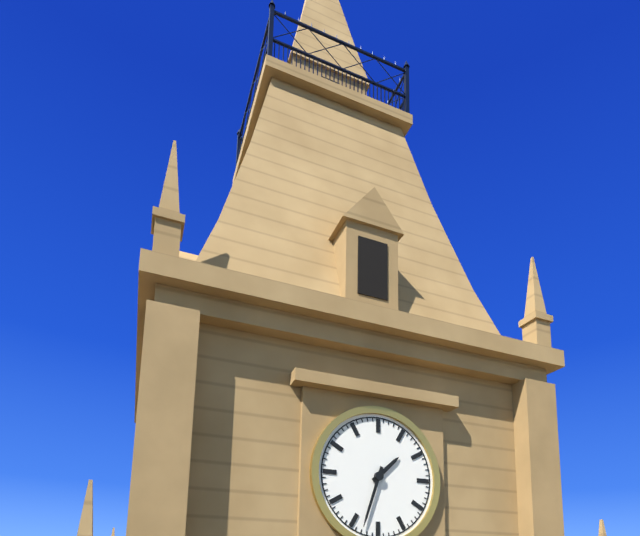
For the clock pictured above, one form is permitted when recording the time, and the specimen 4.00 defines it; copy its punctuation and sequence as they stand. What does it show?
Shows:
1.33
